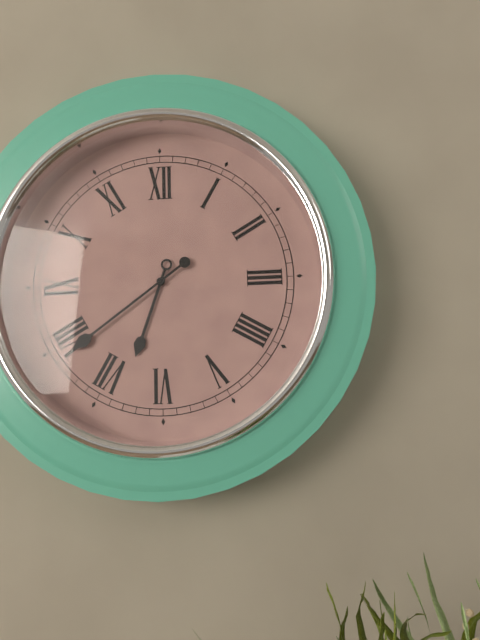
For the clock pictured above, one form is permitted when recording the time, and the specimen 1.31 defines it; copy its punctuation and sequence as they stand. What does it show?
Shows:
6.39
